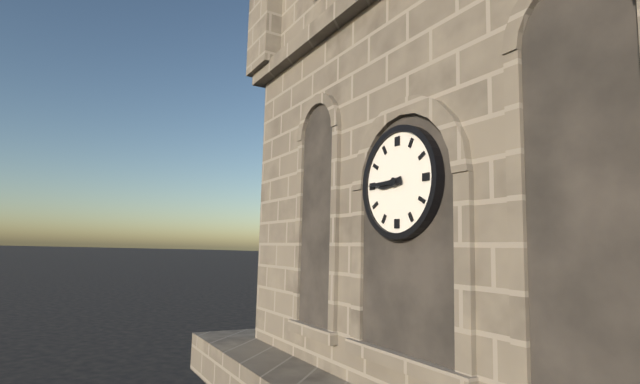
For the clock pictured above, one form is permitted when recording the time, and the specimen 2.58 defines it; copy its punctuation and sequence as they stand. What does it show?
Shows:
8.45
